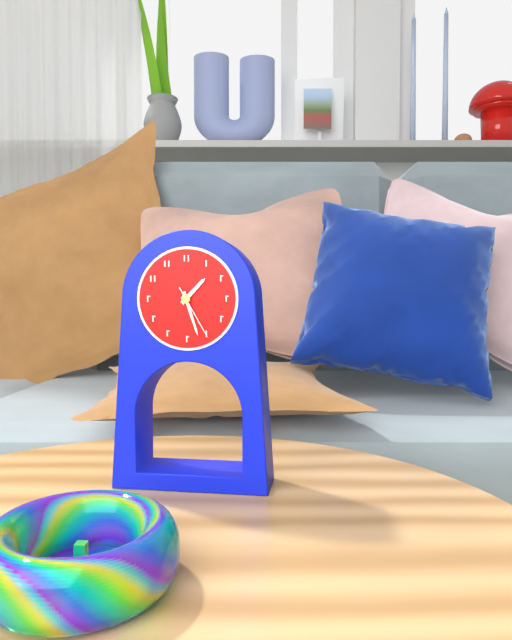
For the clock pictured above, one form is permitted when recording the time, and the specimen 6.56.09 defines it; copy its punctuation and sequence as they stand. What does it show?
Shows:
1.27.25
